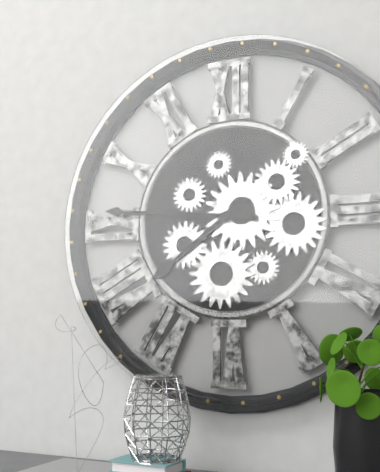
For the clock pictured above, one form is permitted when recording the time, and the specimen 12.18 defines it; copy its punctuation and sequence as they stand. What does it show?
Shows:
7.46
